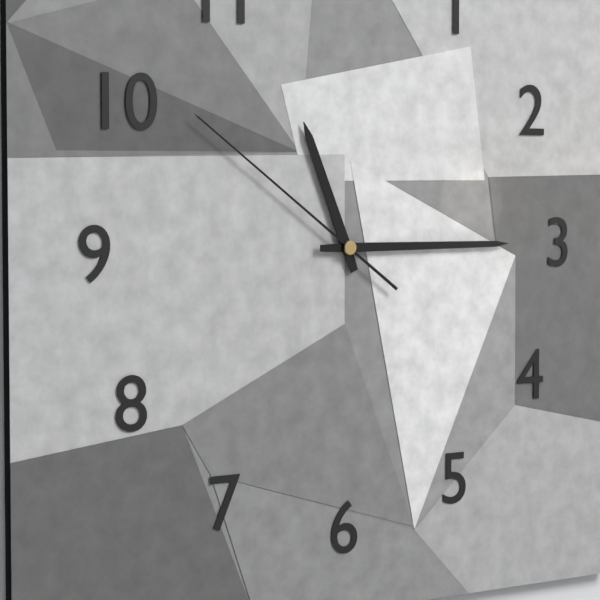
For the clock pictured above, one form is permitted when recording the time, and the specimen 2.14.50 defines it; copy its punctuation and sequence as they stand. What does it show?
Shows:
11.15.51
